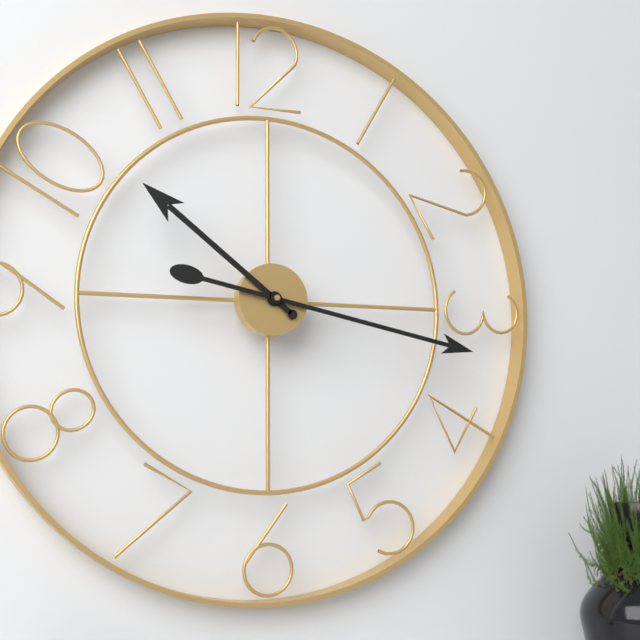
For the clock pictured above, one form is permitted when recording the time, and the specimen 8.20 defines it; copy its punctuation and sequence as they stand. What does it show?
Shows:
10.17
